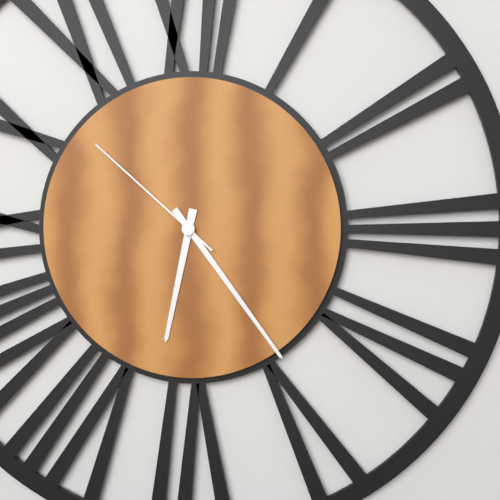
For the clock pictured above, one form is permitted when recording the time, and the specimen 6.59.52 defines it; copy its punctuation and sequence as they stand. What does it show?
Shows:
6.24.52
